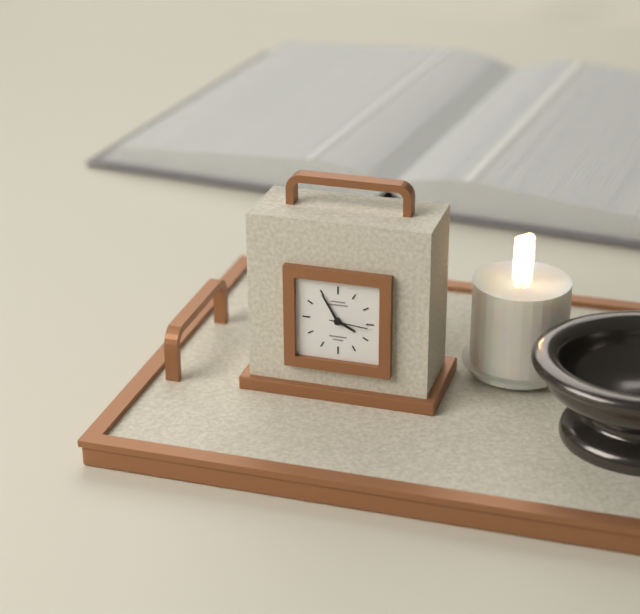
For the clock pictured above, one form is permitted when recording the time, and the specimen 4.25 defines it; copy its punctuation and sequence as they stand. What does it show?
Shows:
3.55
